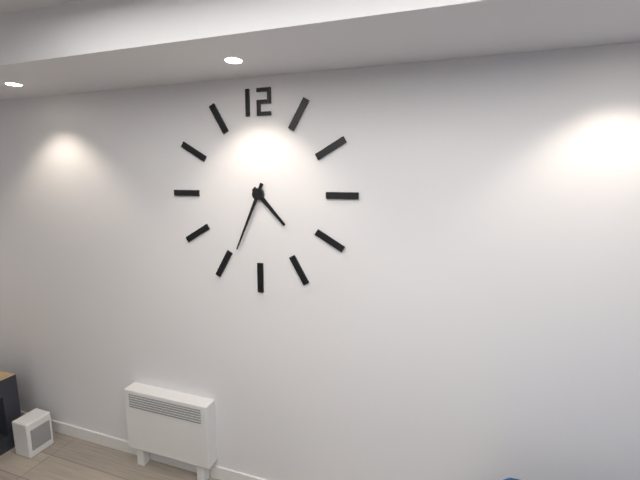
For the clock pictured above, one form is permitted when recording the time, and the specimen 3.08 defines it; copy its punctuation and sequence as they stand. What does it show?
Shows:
4.34
